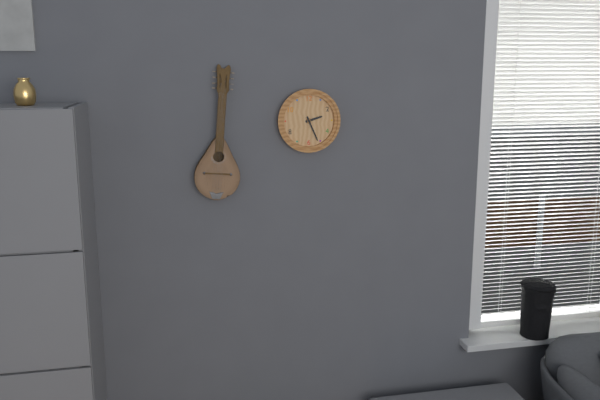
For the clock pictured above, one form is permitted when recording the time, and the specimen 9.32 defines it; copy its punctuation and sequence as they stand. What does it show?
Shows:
2.26
